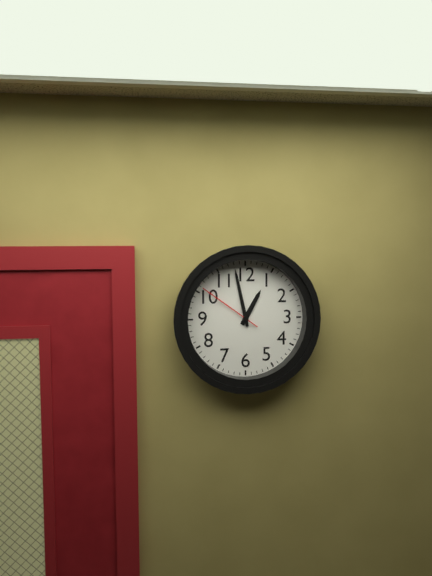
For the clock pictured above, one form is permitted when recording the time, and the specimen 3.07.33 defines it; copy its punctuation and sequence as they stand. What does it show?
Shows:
12.58.51
